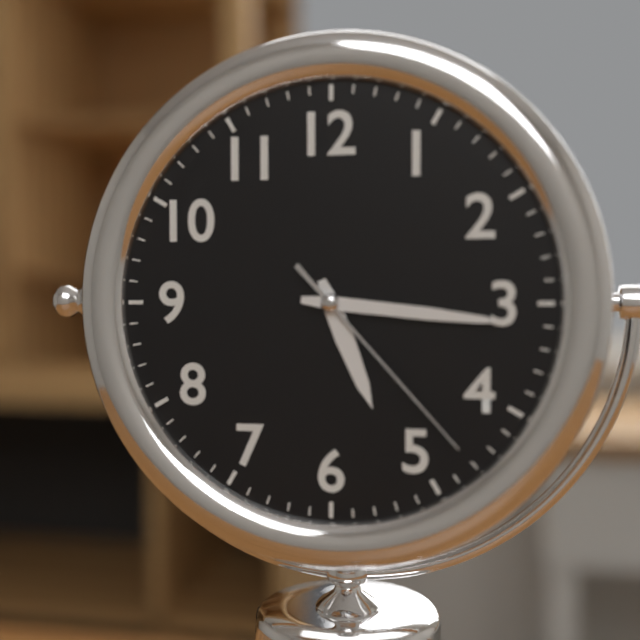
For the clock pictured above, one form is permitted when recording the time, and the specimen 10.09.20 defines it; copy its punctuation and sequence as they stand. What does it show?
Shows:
5.16.23
